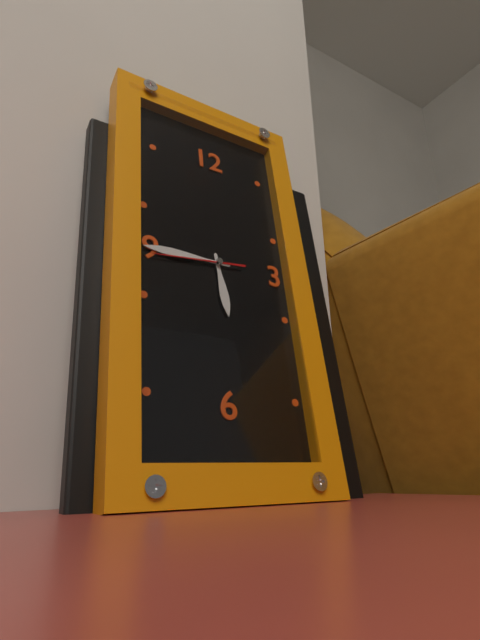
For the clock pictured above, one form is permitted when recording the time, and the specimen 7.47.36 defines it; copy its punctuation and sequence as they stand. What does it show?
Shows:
5.45.44
